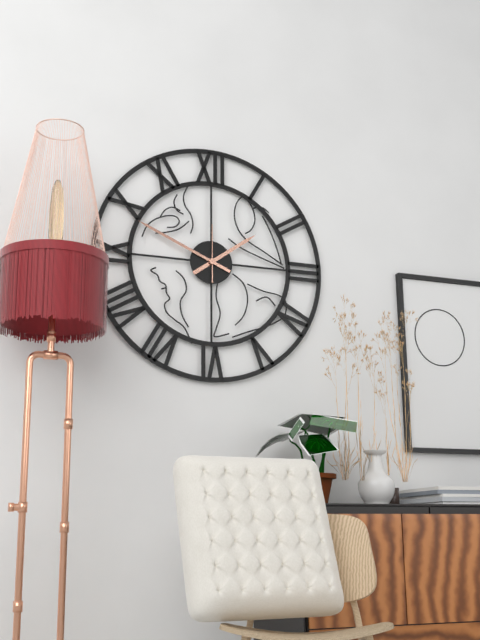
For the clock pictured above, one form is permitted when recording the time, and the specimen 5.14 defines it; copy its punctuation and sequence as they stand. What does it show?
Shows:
1.49
